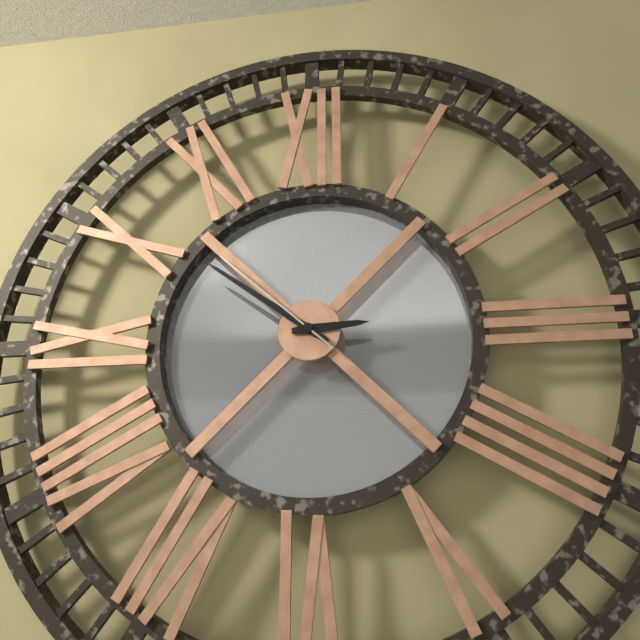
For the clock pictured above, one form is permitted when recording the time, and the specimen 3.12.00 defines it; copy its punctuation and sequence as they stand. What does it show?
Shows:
2.51.52
